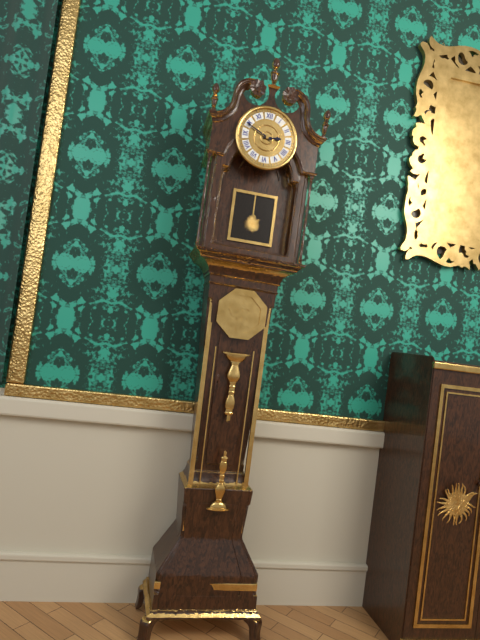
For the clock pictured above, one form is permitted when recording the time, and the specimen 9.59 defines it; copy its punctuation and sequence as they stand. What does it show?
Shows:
2.49
